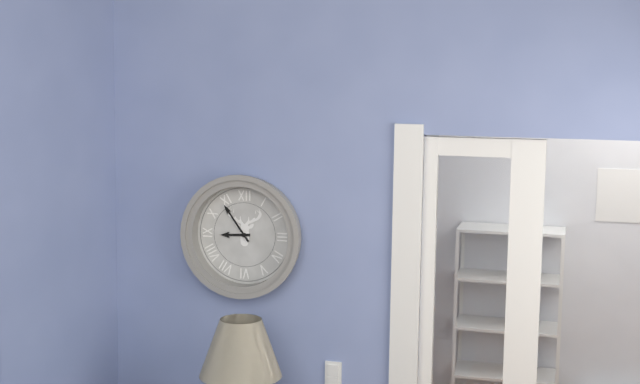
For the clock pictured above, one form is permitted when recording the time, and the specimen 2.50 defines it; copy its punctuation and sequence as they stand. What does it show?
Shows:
8.54
